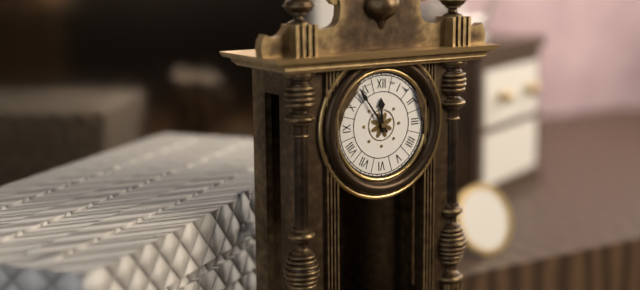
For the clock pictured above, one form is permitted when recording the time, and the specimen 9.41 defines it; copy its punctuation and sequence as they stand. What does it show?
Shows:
11.54
